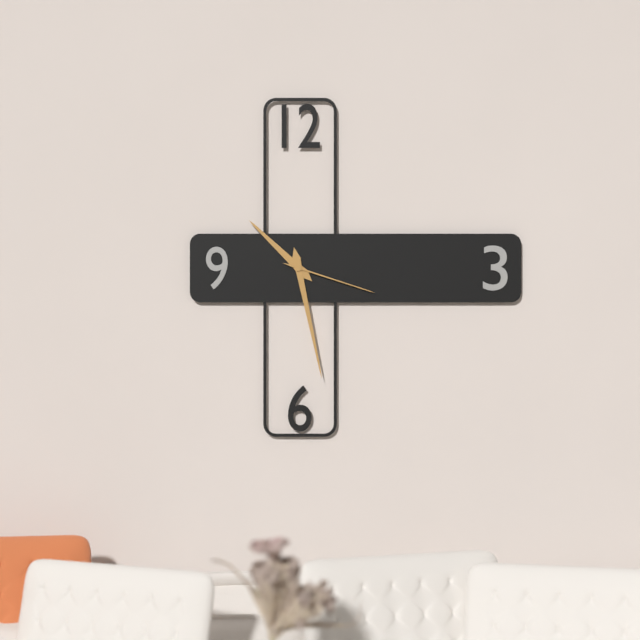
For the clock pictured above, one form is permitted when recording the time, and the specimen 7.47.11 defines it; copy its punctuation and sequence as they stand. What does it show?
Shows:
10.28.18
